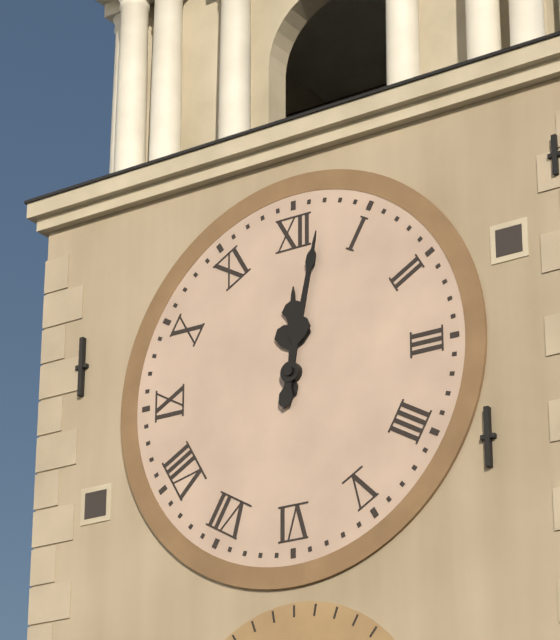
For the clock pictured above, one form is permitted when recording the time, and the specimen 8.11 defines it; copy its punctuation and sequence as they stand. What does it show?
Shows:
12.02
